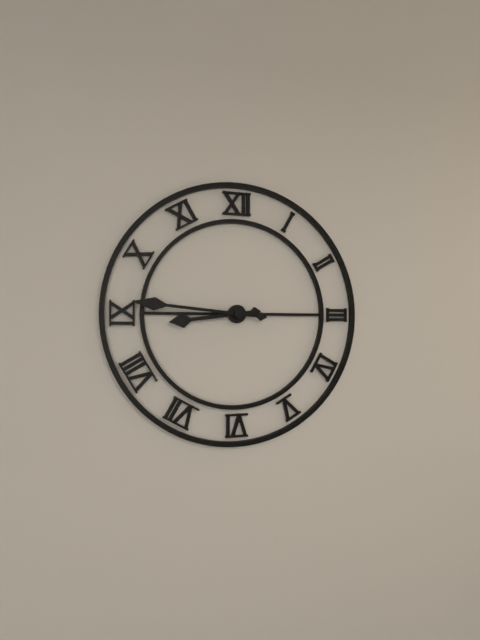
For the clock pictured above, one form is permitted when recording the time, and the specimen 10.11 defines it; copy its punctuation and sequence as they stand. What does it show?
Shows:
8.46
